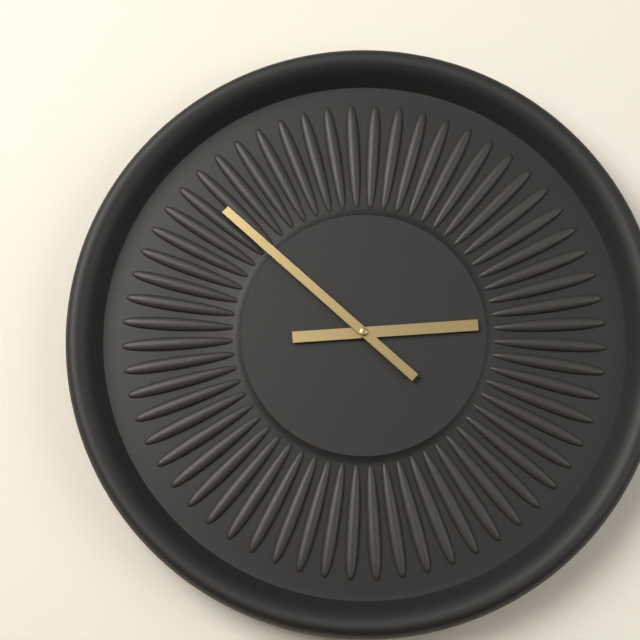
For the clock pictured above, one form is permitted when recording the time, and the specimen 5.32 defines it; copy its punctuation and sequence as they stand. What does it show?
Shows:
2.52
